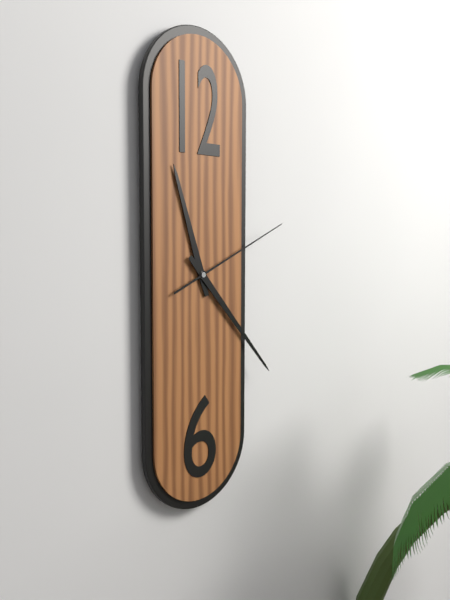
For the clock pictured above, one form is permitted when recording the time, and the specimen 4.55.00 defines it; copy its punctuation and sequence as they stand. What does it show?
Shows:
11.23.11
